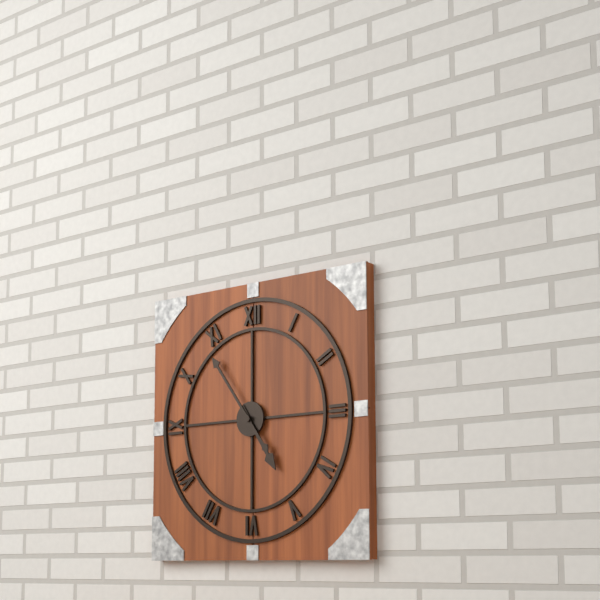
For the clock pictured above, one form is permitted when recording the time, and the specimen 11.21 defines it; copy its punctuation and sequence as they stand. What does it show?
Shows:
4.54
